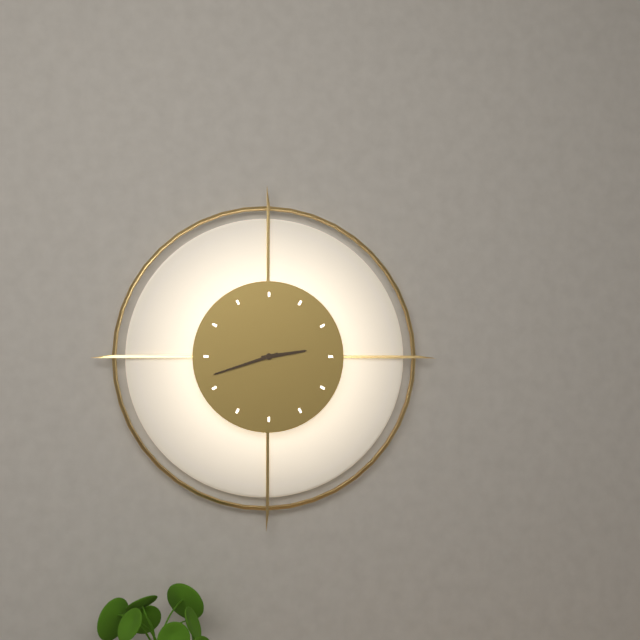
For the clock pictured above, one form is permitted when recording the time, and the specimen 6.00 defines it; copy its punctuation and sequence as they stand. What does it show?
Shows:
2.42
